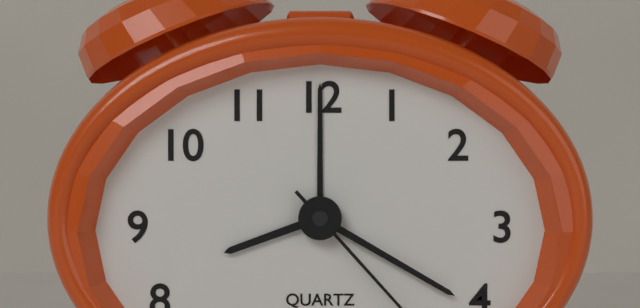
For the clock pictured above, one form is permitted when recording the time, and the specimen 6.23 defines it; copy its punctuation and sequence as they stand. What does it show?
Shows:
8.20
